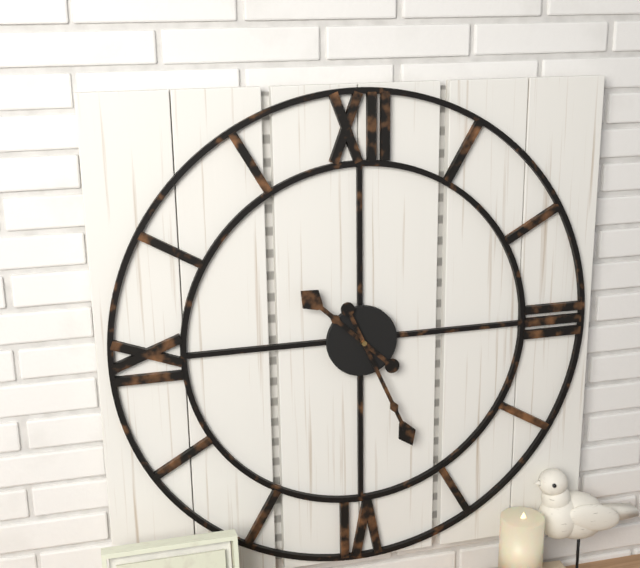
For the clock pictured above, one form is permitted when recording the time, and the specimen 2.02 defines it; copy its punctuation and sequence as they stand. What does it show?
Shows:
10.26
